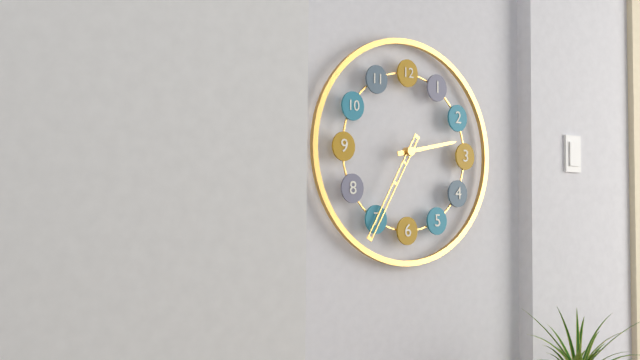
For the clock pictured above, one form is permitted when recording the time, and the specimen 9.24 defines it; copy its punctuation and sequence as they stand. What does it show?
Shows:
2.35
